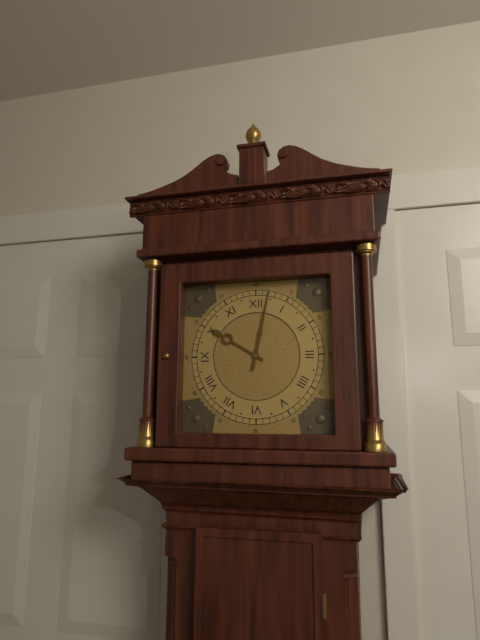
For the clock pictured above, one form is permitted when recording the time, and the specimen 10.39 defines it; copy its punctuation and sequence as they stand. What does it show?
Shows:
10.02
